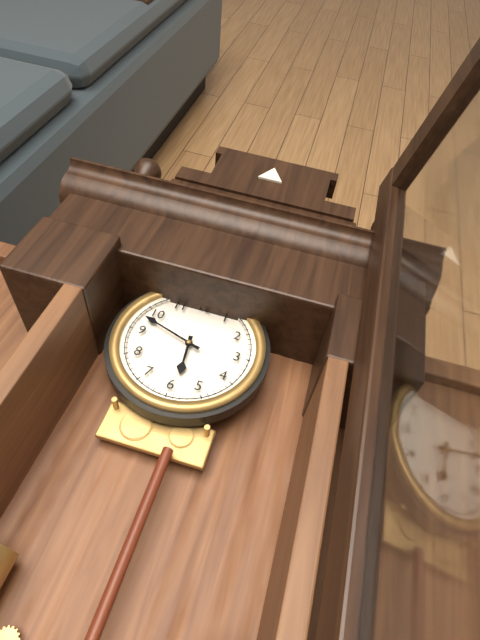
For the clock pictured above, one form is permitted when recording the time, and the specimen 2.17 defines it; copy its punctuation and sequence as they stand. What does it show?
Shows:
5.48
